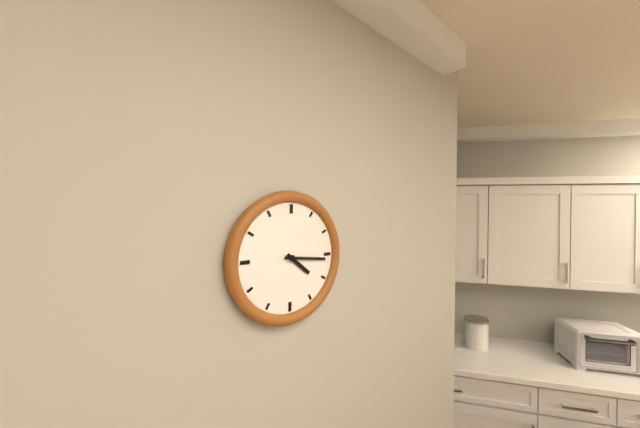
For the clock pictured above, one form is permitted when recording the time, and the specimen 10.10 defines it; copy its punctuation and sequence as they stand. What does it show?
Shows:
4.16
